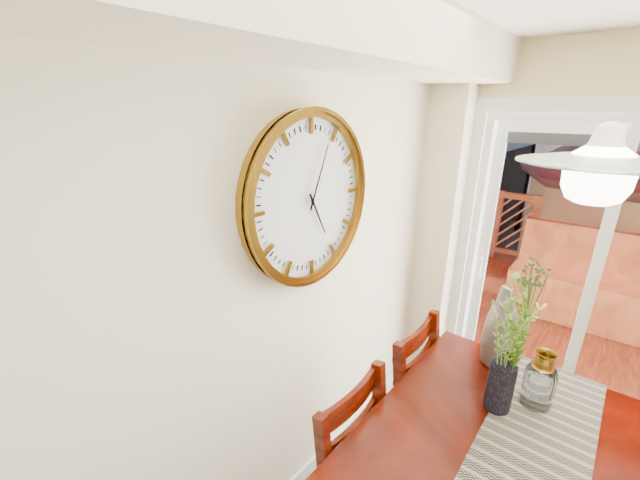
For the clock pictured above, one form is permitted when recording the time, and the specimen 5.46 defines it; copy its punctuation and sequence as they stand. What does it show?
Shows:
5.04
